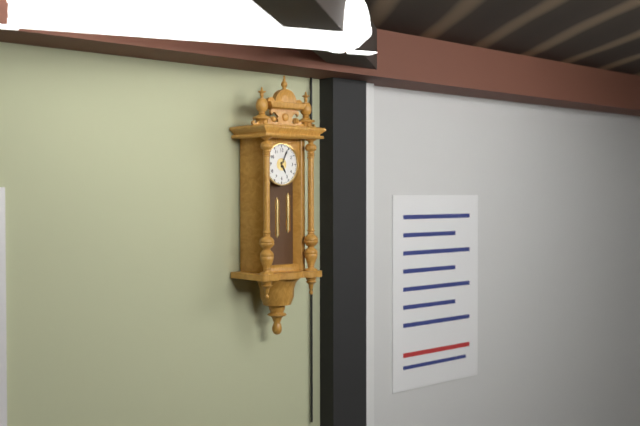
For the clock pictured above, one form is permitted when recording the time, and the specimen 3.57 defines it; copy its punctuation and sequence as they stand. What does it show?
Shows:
5.04
